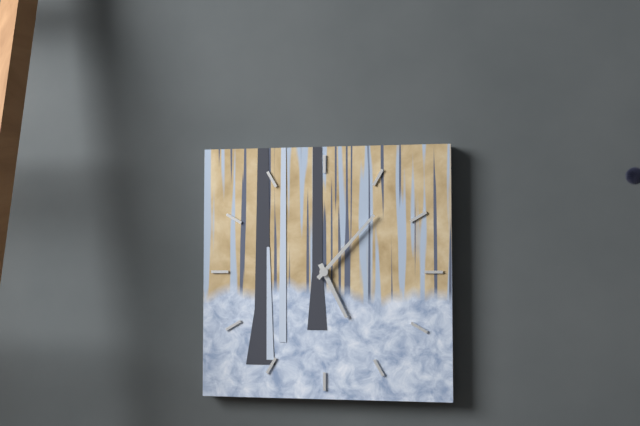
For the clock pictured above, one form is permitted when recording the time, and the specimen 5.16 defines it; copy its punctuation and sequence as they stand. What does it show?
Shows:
5.07
